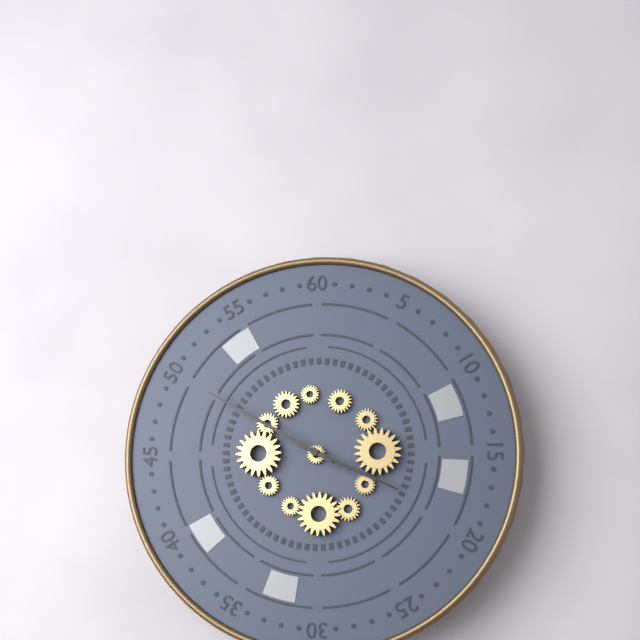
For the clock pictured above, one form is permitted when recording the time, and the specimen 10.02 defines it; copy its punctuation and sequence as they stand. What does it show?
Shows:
3.50
